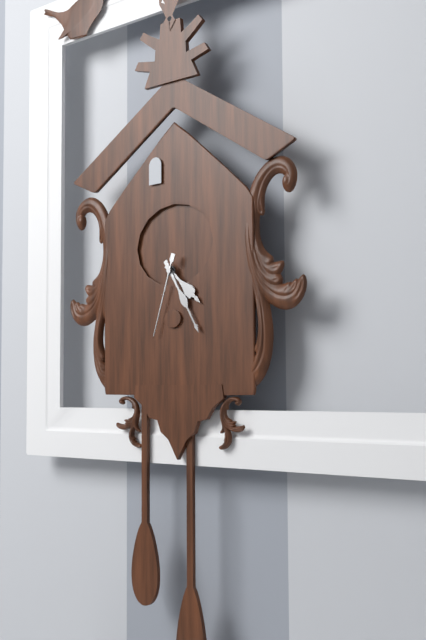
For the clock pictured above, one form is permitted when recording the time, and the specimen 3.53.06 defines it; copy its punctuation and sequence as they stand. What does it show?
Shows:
4.25.33
